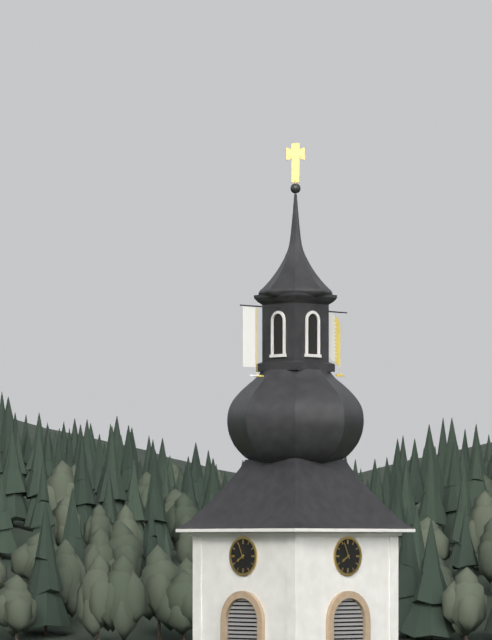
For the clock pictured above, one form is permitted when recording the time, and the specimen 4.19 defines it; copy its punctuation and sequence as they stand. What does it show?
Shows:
7.56
